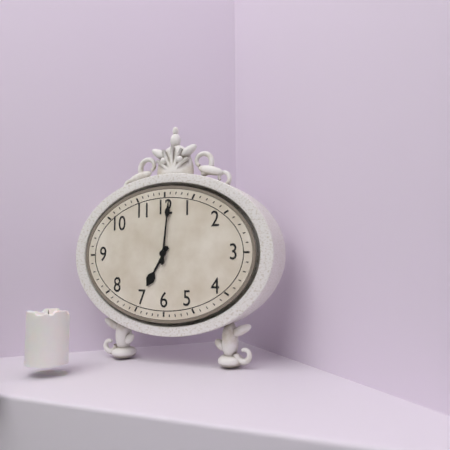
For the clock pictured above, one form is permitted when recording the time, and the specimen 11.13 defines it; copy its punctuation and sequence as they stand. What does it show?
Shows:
7.01
